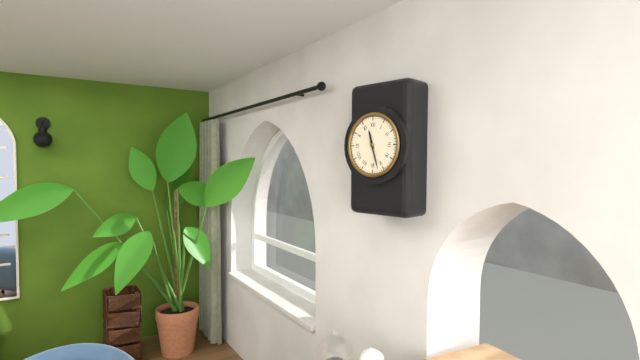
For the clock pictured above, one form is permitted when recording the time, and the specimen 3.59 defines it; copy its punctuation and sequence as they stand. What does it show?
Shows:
11.27
